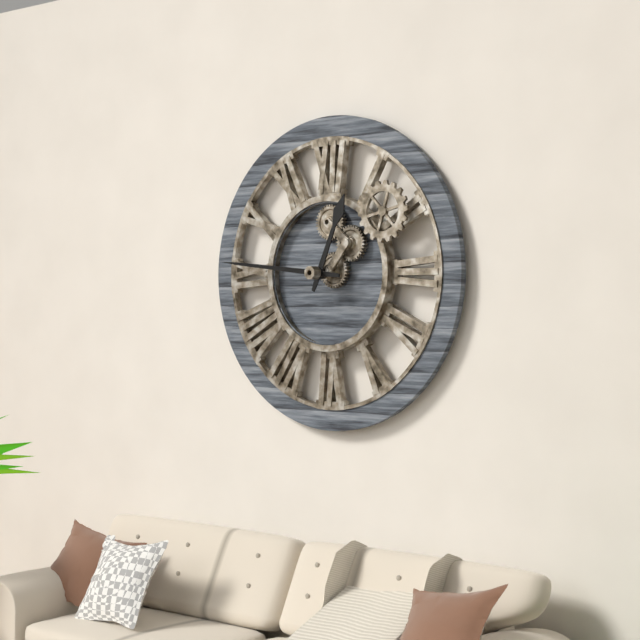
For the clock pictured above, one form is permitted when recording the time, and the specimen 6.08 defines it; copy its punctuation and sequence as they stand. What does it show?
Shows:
12.46
